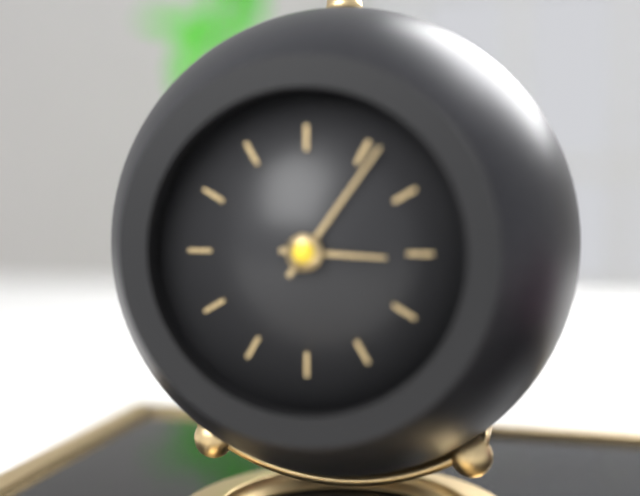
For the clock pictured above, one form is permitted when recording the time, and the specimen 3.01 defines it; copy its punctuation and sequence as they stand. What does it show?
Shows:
3.06
